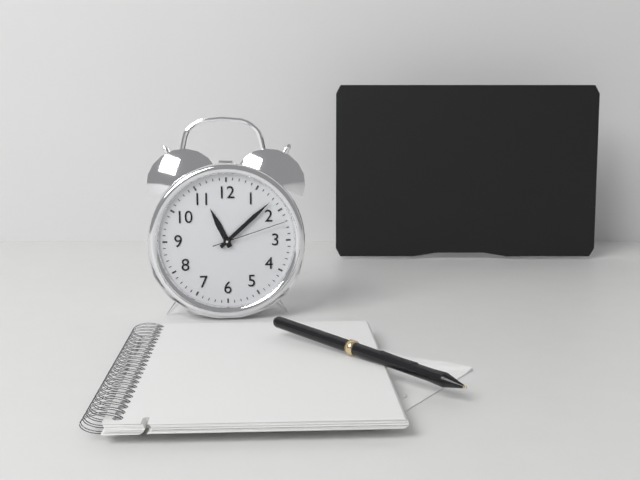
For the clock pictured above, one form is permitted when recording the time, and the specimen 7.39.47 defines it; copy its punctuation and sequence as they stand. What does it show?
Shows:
11.08.12
